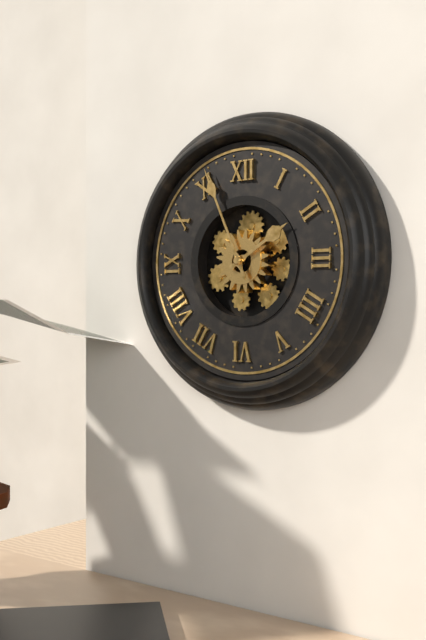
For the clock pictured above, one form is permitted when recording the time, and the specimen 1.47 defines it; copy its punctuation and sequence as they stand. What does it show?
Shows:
1.56
